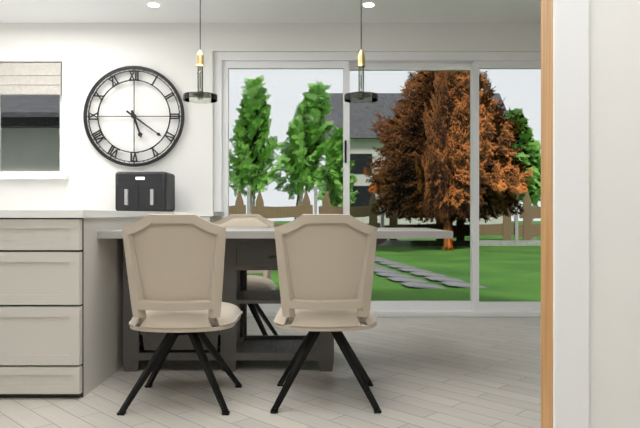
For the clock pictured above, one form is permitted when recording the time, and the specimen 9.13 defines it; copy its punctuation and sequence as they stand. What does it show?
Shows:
5.21
